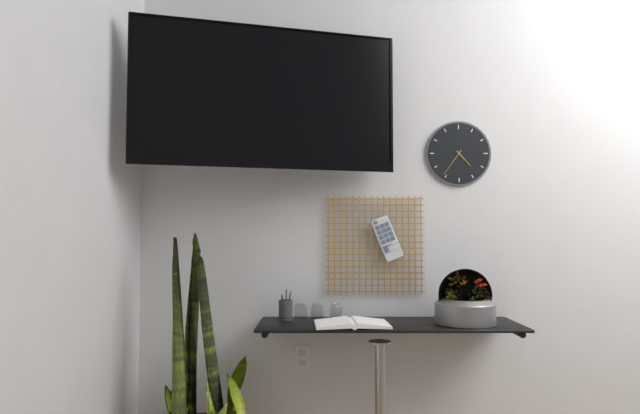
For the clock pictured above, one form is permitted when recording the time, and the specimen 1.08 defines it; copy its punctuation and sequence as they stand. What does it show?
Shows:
4.36
